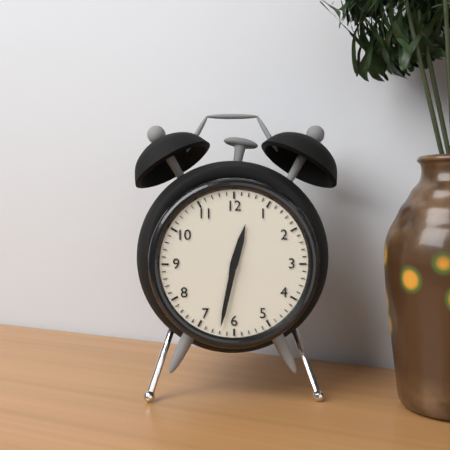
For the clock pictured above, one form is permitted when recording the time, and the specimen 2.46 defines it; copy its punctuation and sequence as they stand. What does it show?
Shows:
12.32
